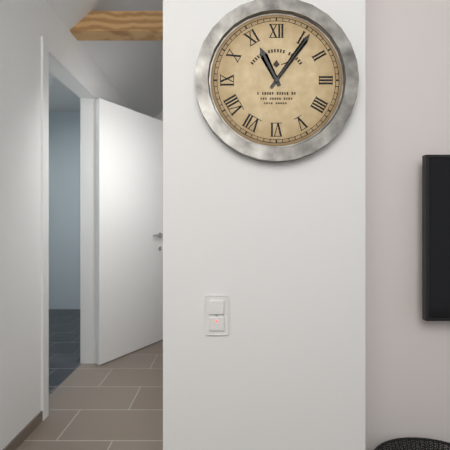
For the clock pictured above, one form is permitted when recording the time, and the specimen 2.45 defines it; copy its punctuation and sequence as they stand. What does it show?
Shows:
11.06
